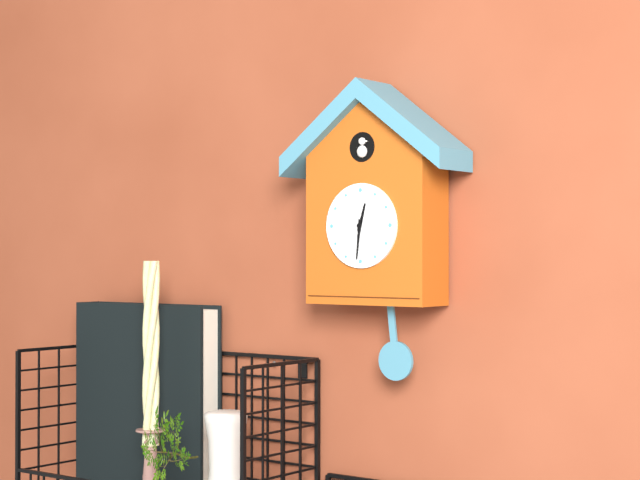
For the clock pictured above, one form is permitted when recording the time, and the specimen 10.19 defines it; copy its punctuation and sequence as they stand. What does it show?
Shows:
12.31
